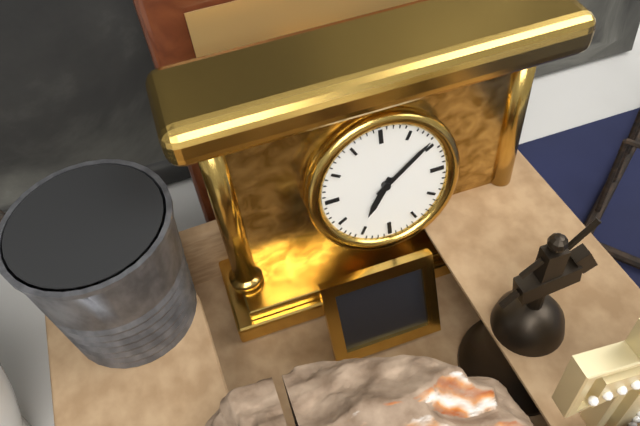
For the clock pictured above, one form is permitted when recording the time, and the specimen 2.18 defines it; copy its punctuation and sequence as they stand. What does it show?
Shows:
7.09
